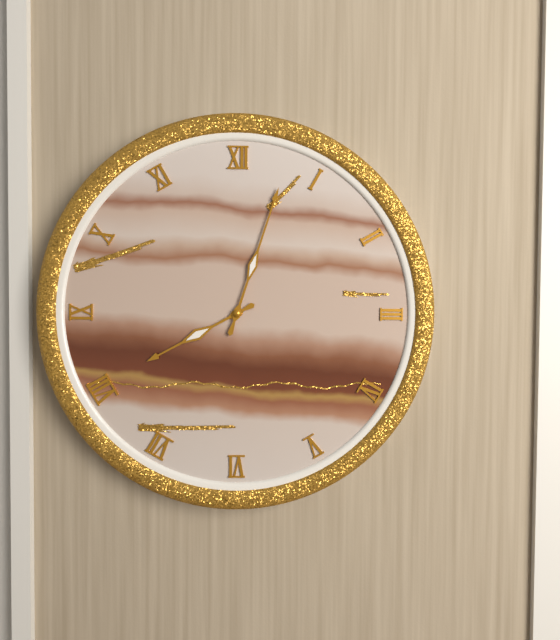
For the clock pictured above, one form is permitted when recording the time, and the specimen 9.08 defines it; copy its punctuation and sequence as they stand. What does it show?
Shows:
8.03
